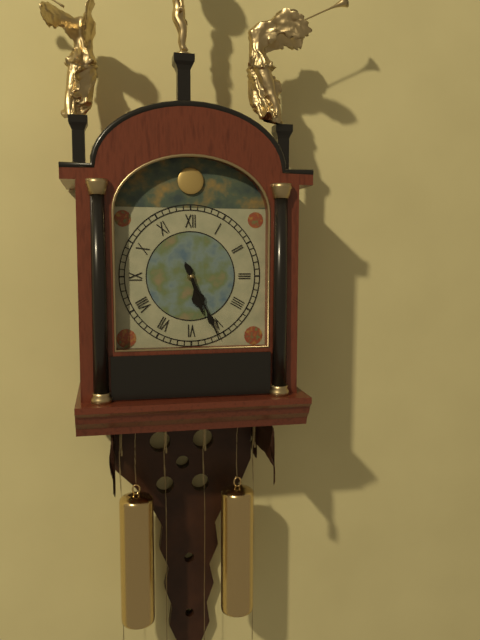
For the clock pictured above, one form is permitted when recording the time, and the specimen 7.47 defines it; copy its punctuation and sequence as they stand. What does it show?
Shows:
5.26
